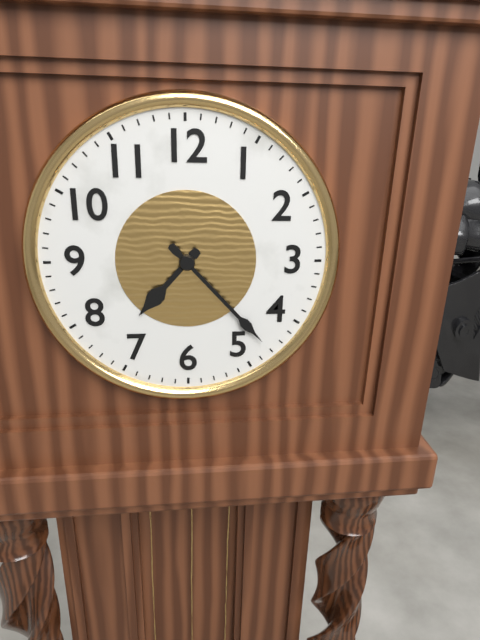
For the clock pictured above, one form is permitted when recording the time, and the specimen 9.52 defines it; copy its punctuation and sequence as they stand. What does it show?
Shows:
7.23
